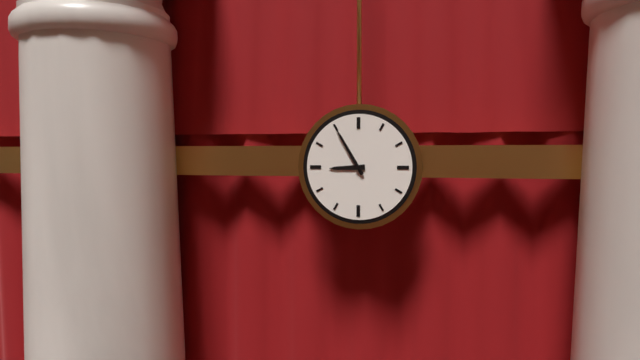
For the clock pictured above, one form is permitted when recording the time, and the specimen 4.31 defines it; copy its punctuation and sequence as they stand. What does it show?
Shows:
8.55
